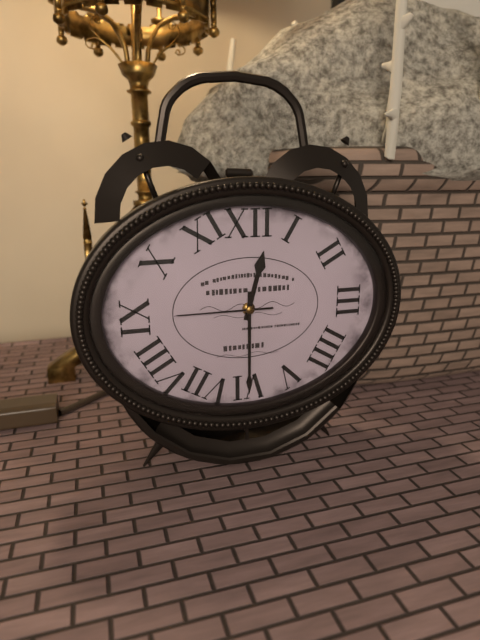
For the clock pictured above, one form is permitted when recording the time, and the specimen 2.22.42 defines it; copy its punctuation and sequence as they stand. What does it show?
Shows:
12.30.45
